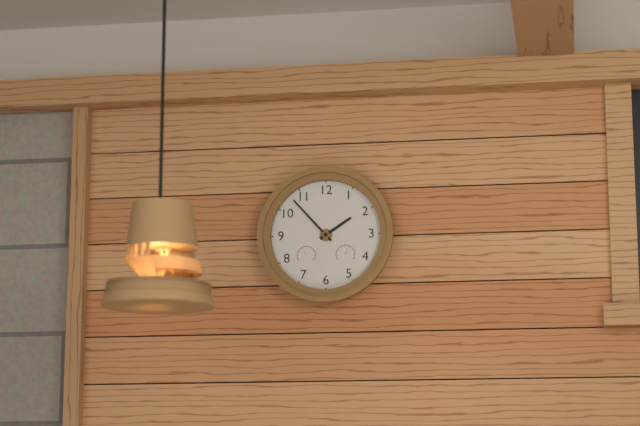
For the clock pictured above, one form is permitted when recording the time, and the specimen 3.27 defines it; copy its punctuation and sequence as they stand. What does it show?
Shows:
1.53
